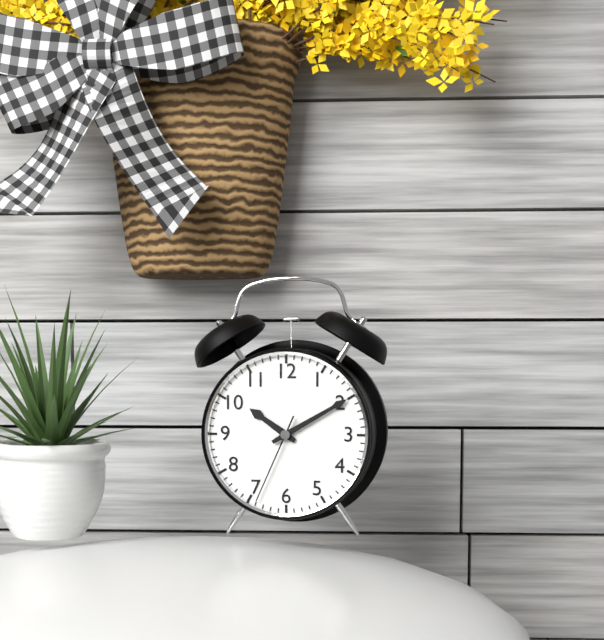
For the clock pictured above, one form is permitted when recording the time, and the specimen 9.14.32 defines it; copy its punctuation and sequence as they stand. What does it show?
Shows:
10.10.34
